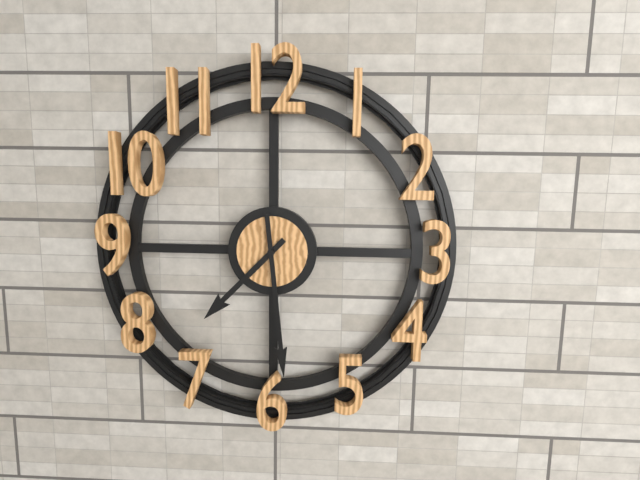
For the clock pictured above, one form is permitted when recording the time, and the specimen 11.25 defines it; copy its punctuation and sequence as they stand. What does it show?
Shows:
7.29
